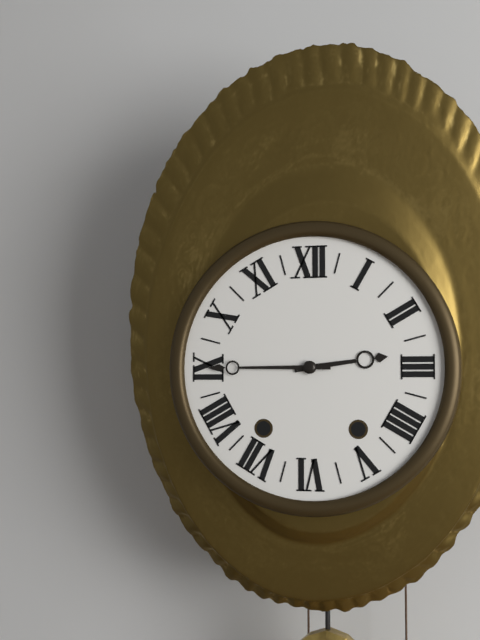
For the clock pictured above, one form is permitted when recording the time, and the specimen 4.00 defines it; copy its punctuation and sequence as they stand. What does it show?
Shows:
2.45
